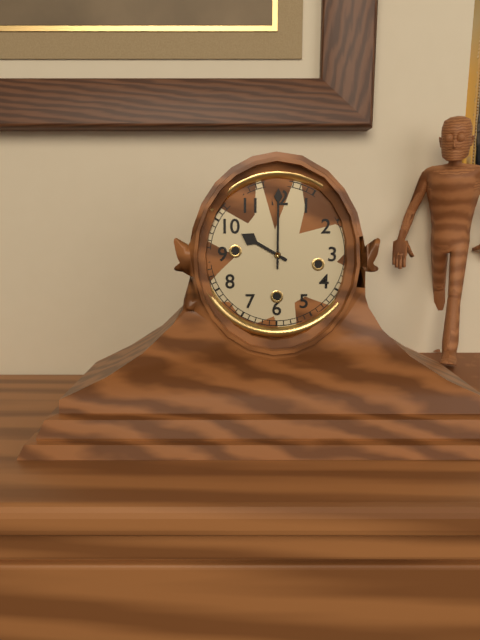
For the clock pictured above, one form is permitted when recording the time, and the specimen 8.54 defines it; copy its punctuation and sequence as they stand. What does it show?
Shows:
10.00
